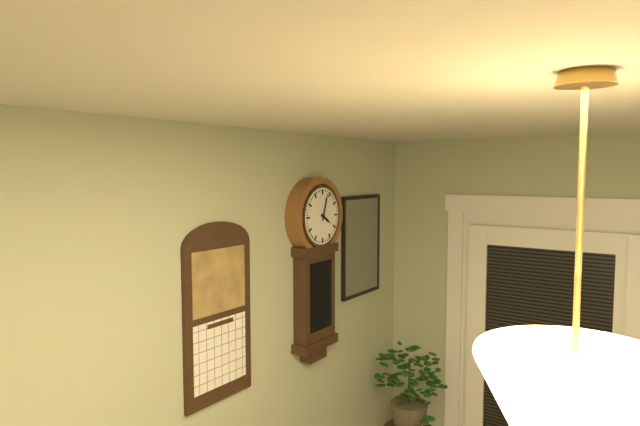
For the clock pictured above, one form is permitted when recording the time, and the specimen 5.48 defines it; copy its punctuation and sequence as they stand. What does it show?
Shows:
4.03
